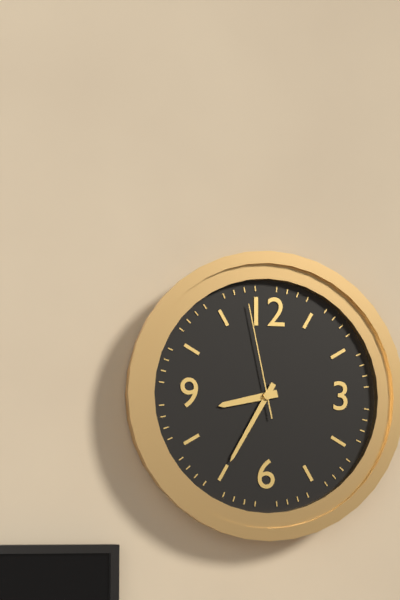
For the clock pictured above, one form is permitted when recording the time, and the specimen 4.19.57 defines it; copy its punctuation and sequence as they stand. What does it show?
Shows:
8.35.58
